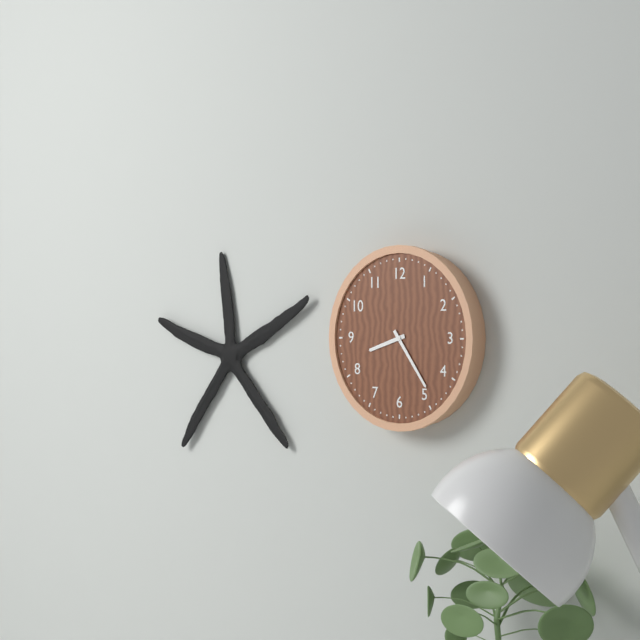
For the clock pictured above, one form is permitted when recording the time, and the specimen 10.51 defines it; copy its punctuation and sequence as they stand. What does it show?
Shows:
8.24
